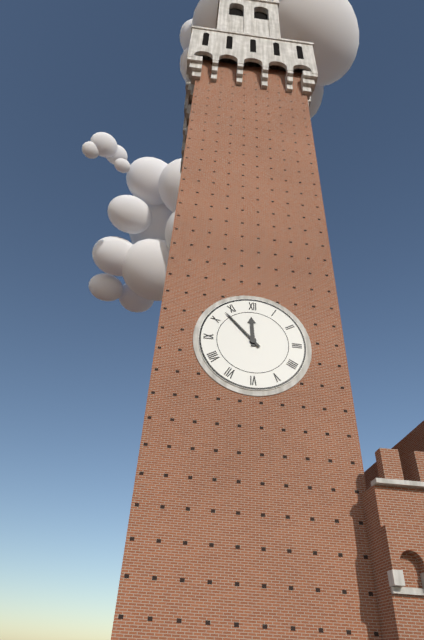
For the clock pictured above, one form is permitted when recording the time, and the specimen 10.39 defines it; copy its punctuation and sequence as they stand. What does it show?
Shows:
11.53
